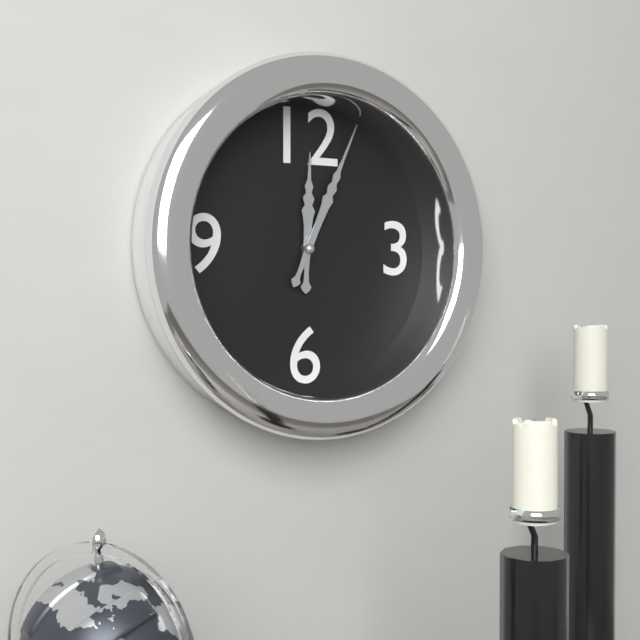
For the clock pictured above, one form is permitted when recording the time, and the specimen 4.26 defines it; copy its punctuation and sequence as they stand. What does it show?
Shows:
12.04
